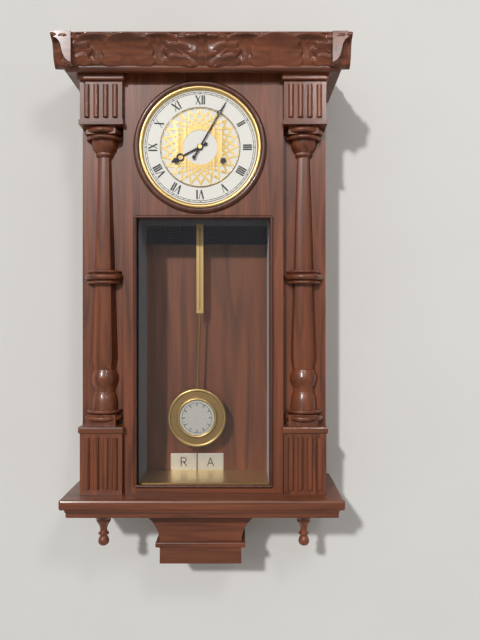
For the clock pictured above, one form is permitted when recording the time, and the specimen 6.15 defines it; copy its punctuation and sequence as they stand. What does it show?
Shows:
8.05
